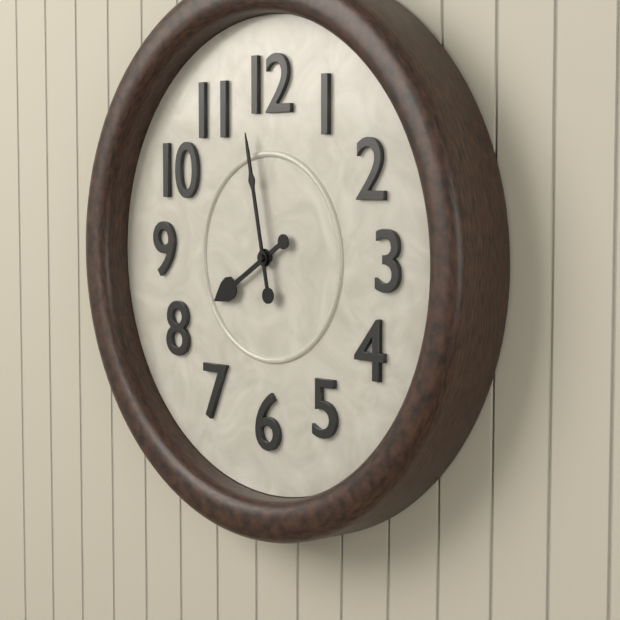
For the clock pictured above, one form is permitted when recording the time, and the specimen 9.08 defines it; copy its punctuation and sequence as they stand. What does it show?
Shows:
7.58
